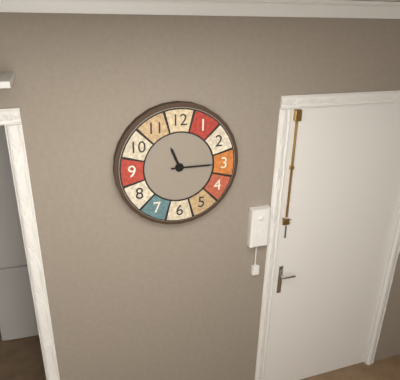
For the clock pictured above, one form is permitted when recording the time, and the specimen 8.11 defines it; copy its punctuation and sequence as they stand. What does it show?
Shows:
11.15
